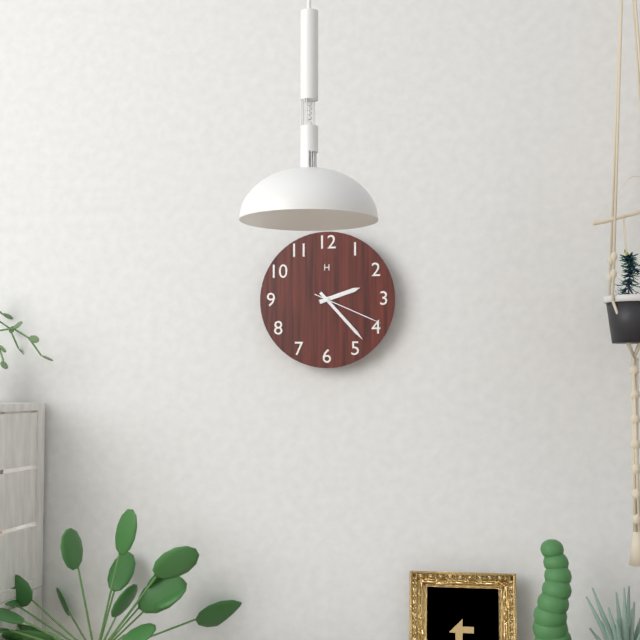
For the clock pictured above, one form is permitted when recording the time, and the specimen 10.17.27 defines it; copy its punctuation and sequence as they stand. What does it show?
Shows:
2.23.19
